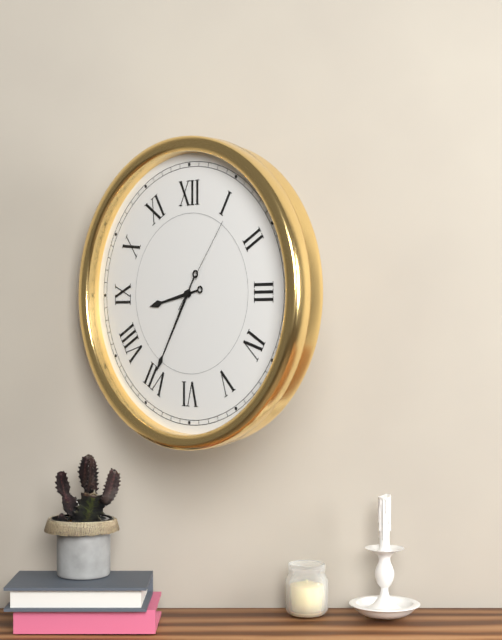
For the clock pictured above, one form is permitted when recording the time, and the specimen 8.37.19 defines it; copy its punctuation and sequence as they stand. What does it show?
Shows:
8.35.06
